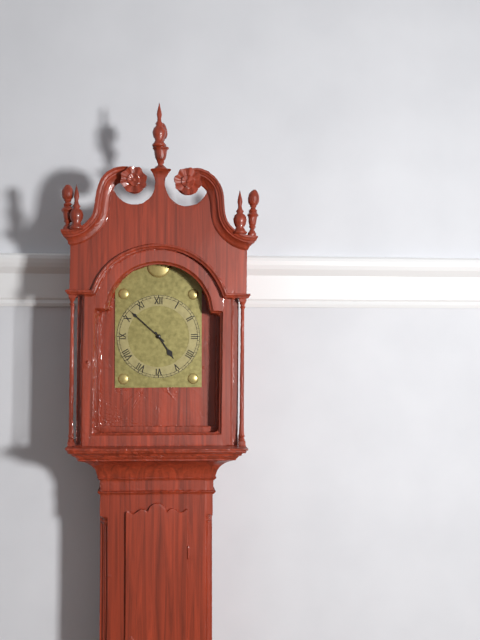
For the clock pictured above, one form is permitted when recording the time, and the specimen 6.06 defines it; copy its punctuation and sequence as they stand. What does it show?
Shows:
4.52
